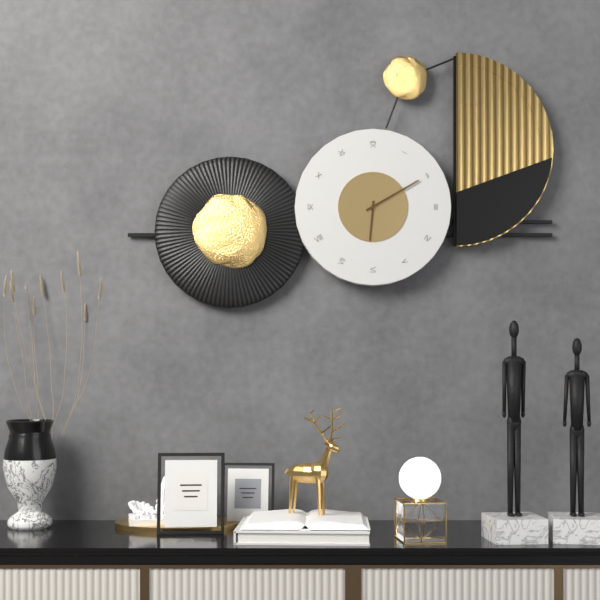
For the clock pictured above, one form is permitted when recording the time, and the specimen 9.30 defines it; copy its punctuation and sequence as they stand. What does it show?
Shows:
6.10
